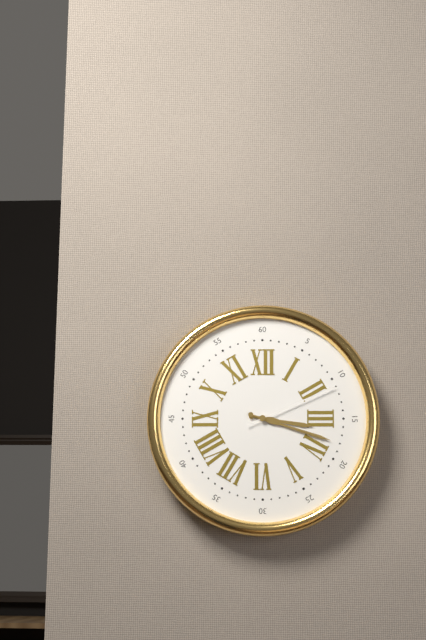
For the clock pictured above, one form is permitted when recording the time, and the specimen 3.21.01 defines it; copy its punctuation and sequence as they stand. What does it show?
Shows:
3.18.11
